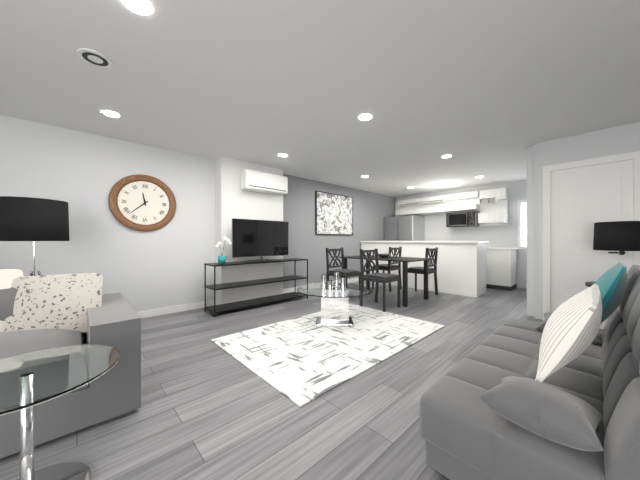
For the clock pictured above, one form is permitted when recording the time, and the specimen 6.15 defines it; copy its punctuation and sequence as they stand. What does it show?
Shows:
11.38
